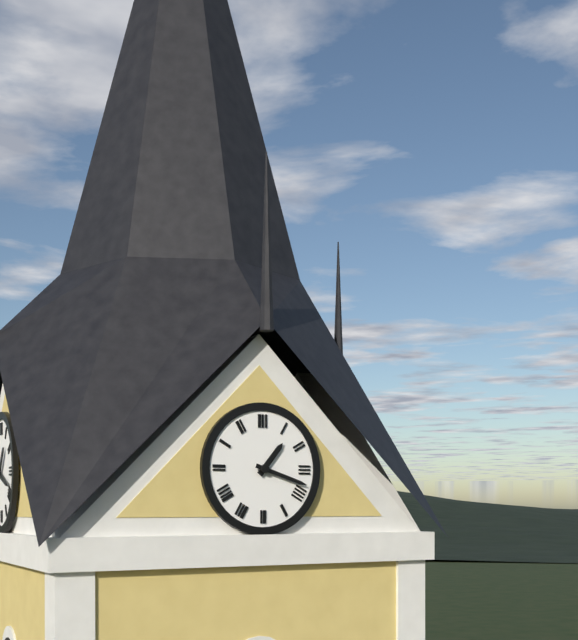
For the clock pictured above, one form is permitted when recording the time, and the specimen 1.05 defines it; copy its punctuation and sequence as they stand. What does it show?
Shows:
1.18
